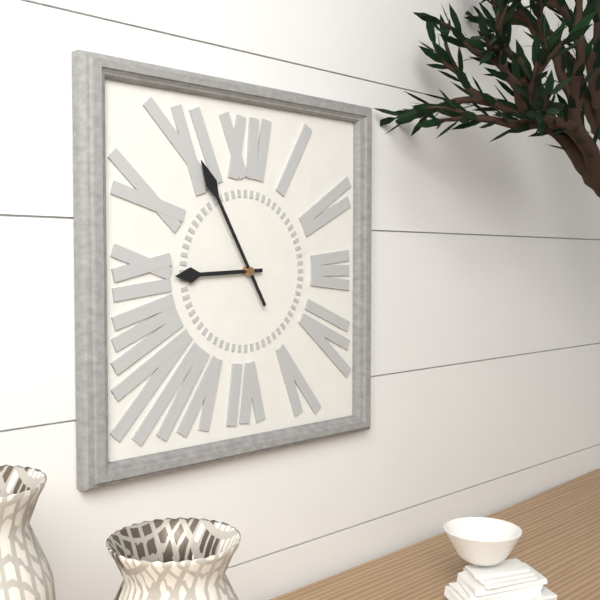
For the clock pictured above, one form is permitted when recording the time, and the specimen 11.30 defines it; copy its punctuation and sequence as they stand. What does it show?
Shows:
8.55
